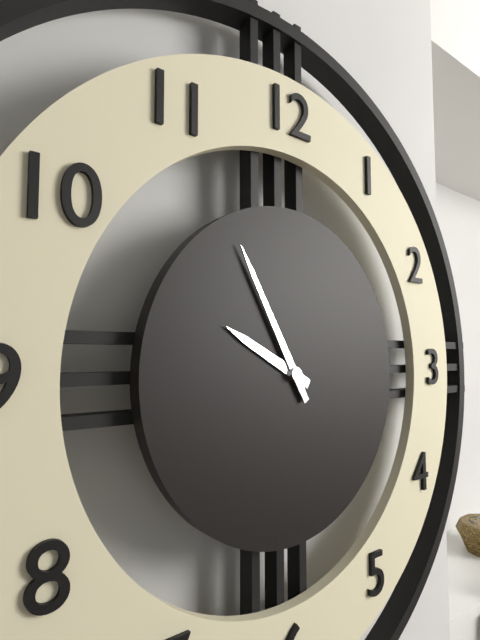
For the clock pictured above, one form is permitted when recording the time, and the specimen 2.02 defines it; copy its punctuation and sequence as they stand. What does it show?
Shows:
9.55
